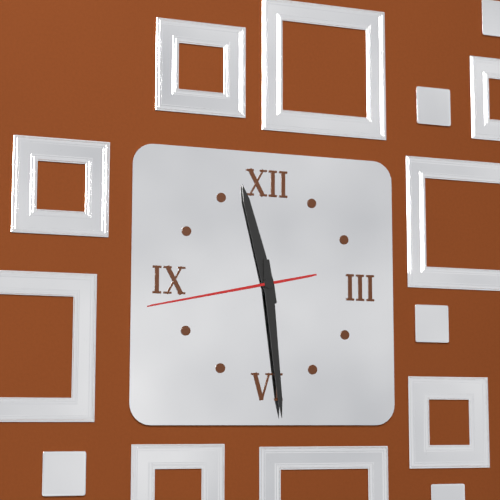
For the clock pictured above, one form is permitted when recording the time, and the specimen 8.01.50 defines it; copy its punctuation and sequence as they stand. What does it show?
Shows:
11.29.43
